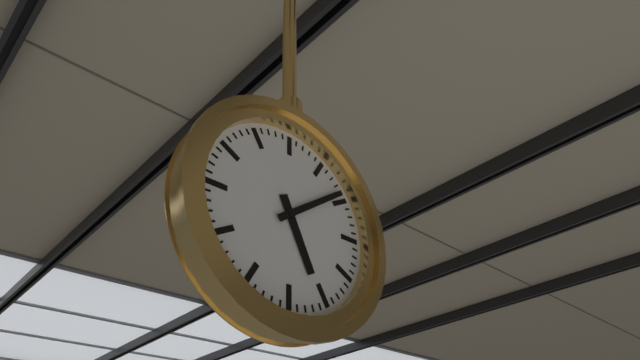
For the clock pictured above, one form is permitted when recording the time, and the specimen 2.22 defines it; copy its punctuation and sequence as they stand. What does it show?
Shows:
5.09
